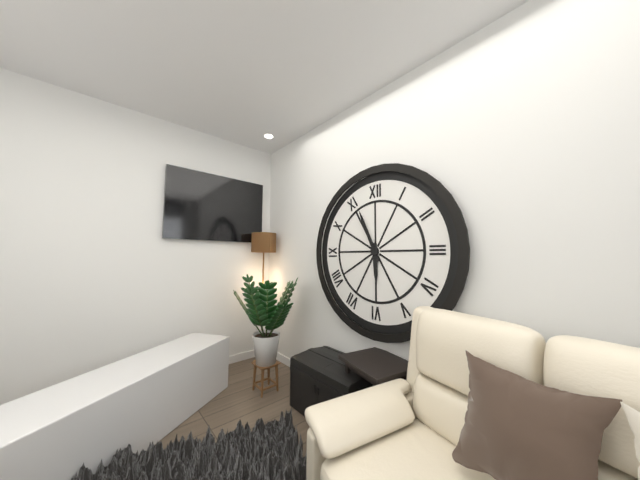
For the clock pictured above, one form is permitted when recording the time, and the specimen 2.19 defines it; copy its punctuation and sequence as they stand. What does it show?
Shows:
5.56
